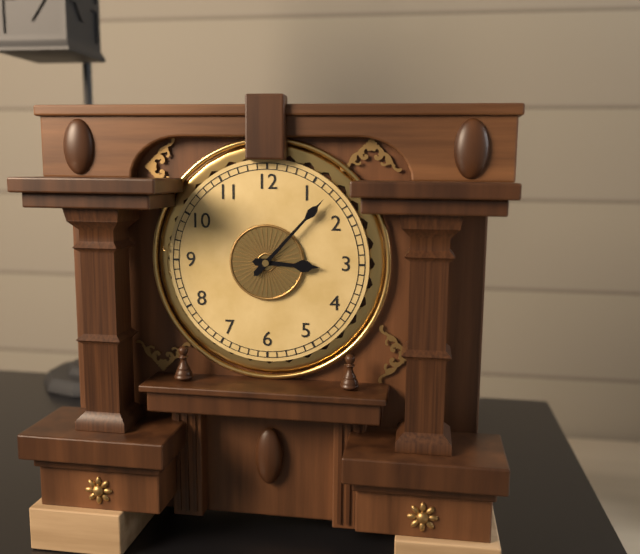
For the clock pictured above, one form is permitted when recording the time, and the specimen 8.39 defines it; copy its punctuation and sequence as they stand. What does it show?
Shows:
3.07
